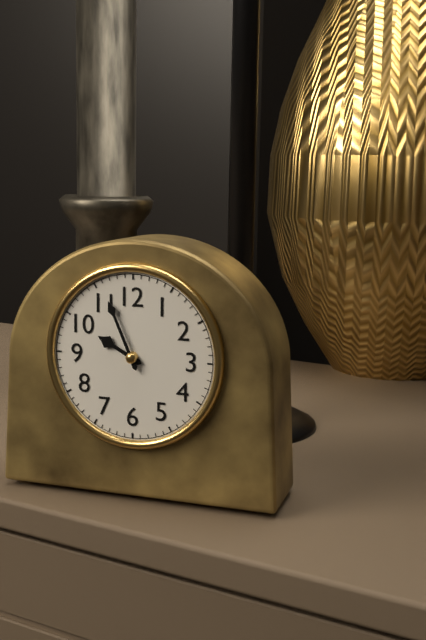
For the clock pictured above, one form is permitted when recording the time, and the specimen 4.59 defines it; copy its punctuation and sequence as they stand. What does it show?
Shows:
9.56
